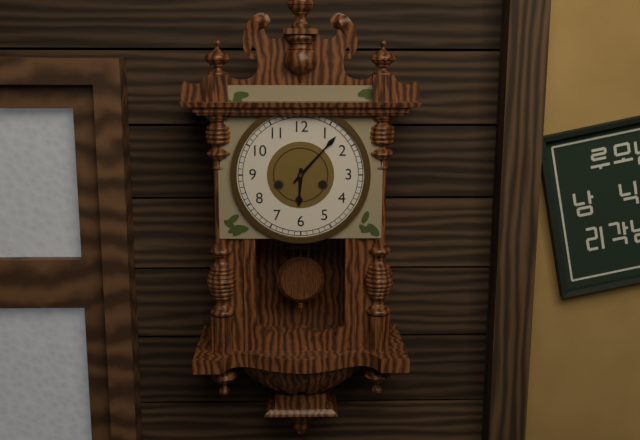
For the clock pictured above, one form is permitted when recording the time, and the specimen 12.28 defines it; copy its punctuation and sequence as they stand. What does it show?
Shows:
6.07
